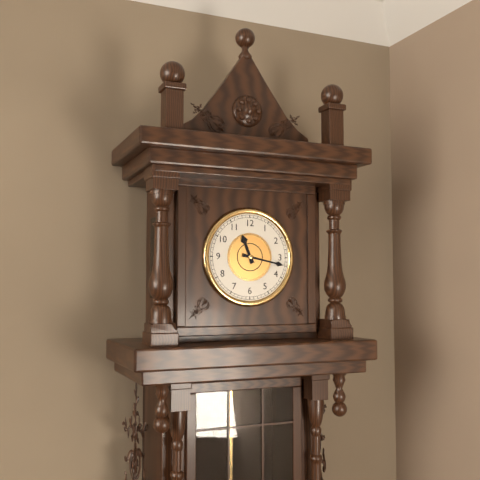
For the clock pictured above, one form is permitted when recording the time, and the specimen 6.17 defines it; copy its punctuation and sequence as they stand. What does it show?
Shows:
11.17
